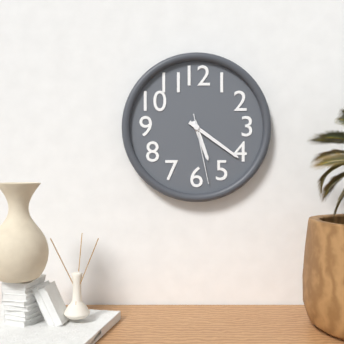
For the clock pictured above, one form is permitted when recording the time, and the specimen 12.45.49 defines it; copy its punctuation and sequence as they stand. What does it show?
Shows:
5.21.28
